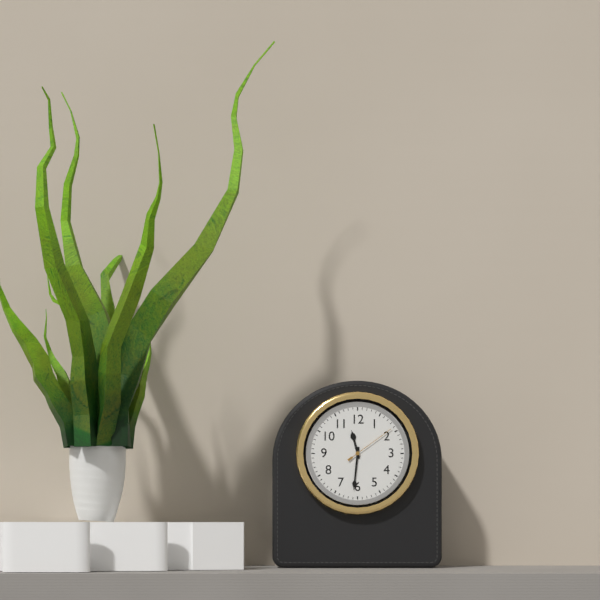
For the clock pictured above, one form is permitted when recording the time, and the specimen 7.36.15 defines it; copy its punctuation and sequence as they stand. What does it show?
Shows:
11.31.09
